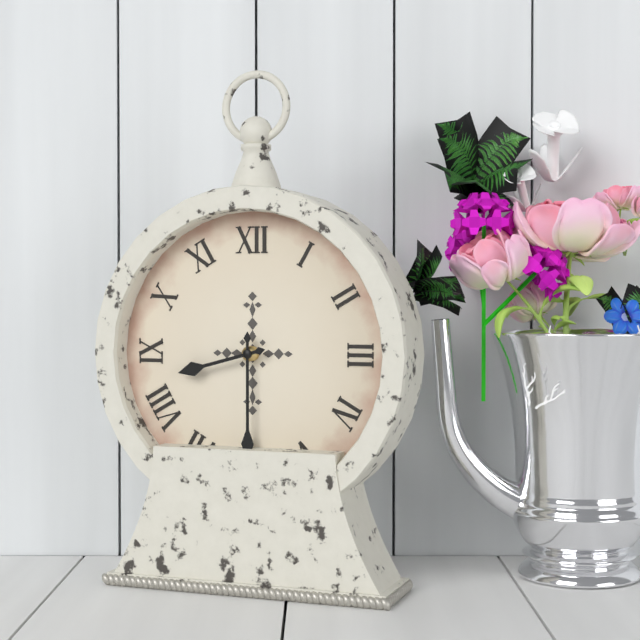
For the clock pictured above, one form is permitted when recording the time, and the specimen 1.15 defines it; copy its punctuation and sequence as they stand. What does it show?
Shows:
8.30
